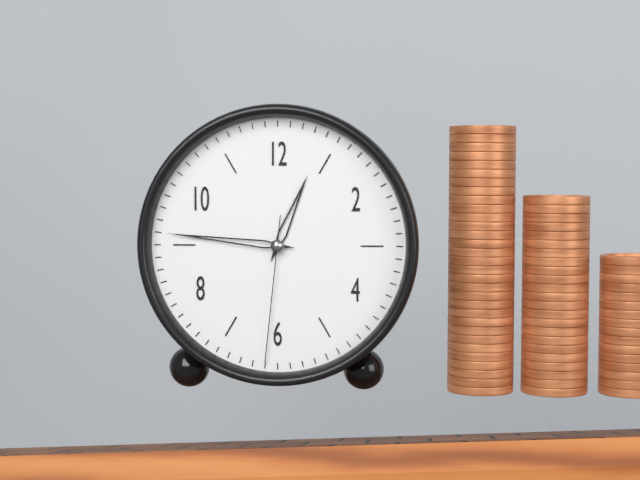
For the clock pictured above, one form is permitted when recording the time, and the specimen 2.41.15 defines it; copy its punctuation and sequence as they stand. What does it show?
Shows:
12.46.31
